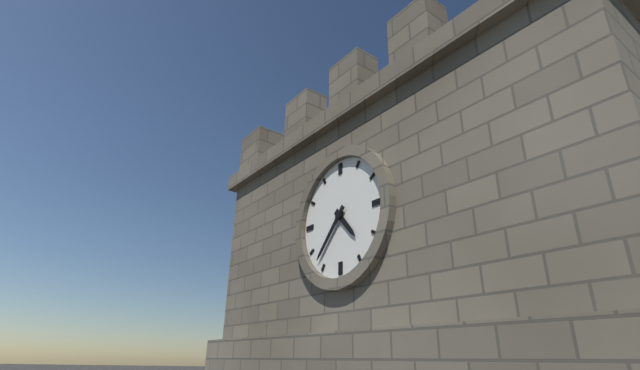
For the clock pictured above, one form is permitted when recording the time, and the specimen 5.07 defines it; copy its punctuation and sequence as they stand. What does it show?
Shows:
4.37
